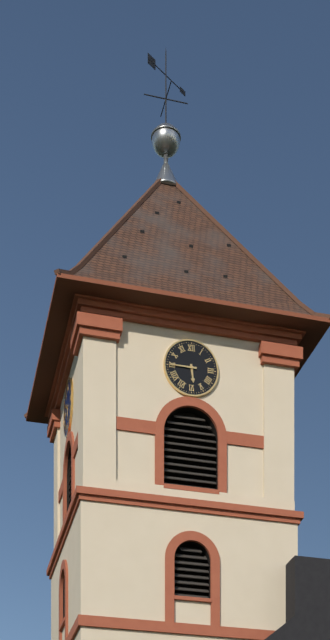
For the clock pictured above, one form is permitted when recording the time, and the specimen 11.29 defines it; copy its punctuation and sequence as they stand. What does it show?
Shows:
5.45
